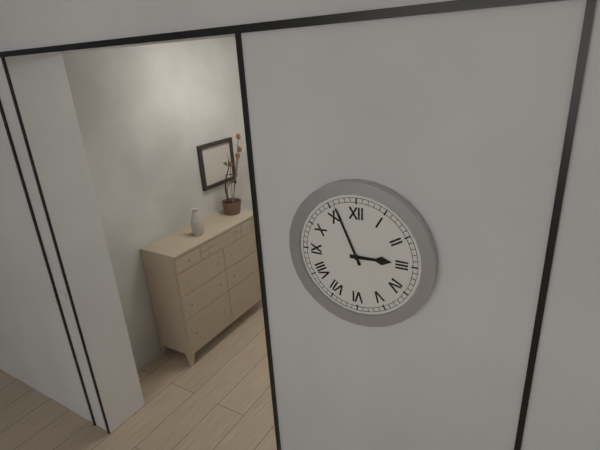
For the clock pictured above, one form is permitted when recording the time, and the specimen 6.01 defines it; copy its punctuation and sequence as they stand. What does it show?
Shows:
2.56
